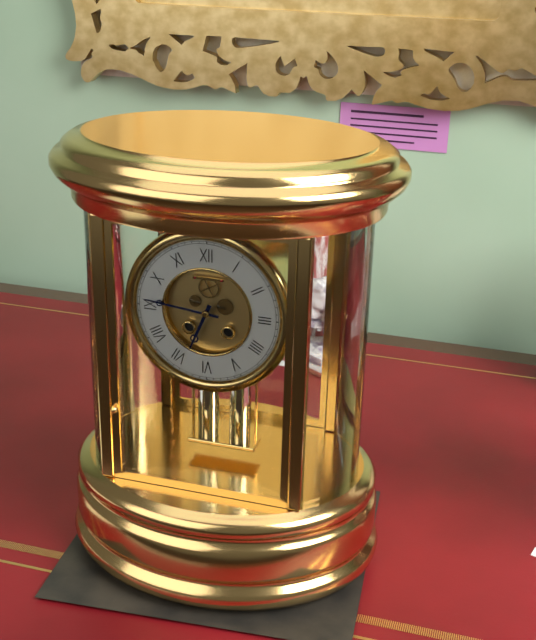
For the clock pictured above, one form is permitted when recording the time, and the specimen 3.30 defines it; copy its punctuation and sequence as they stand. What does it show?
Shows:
6.46
